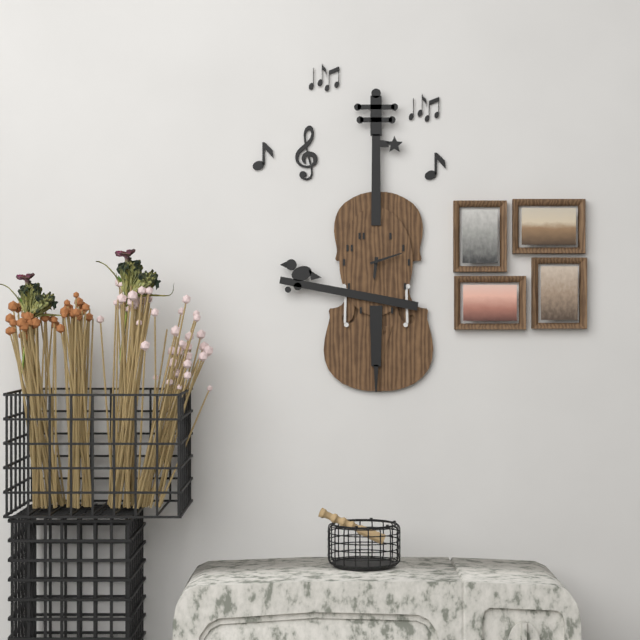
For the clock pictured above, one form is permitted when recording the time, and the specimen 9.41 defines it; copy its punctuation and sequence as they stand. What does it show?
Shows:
6.12
